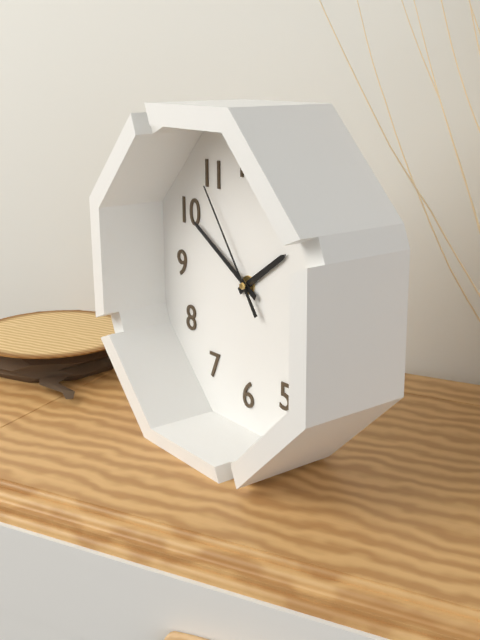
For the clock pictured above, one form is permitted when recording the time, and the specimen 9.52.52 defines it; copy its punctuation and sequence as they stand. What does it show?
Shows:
1.50.54
